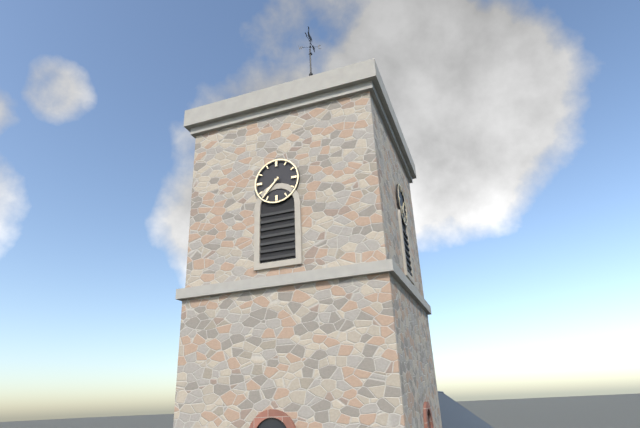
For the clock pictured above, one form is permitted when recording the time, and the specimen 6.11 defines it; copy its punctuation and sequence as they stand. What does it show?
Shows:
7.37
